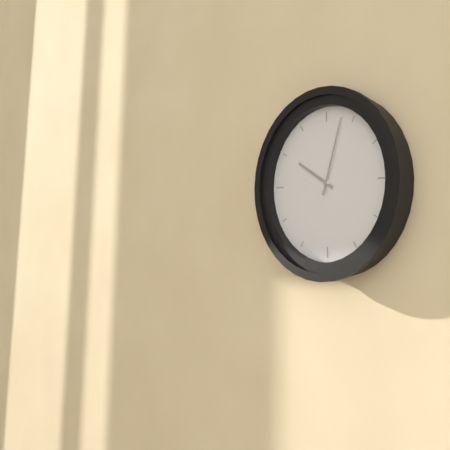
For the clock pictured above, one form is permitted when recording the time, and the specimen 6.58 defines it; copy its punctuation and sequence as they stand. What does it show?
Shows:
10.03
